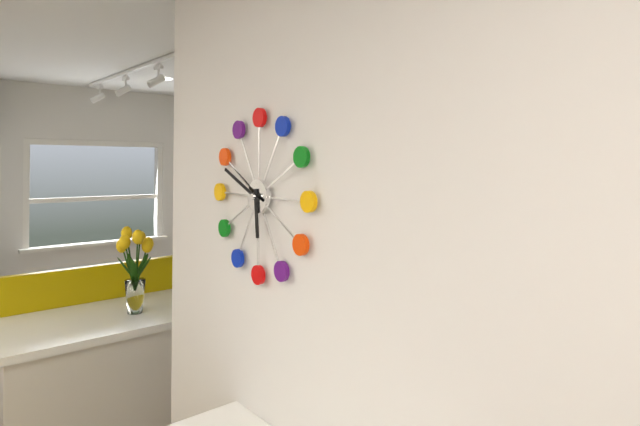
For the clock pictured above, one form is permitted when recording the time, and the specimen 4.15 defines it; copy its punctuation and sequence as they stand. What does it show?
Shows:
5.49
